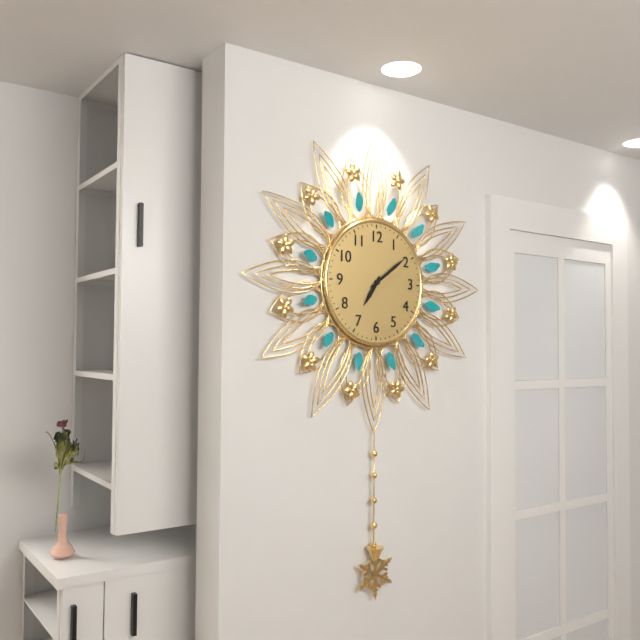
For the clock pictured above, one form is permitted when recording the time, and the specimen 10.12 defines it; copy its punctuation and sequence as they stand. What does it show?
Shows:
7.09
